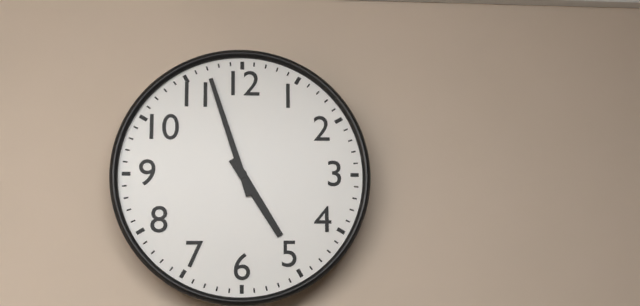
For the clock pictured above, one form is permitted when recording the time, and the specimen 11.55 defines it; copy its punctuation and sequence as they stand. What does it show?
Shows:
4.57
